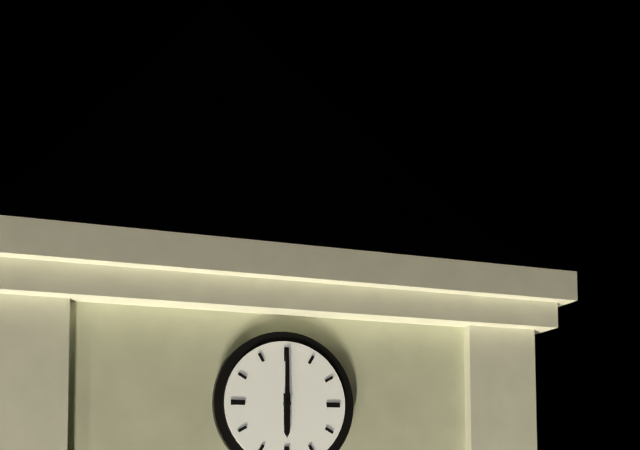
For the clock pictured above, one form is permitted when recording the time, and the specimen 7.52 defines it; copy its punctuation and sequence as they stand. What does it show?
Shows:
6.00
